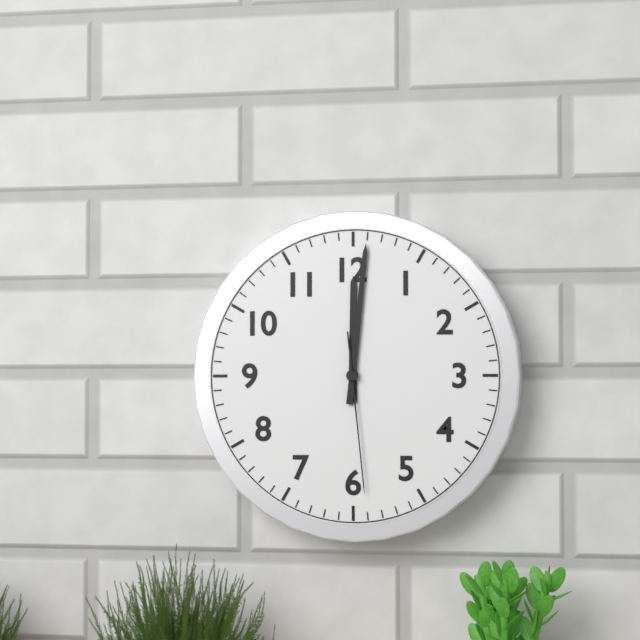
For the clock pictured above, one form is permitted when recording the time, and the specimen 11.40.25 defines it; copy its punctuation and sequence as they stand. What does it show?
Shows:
12.01.29
